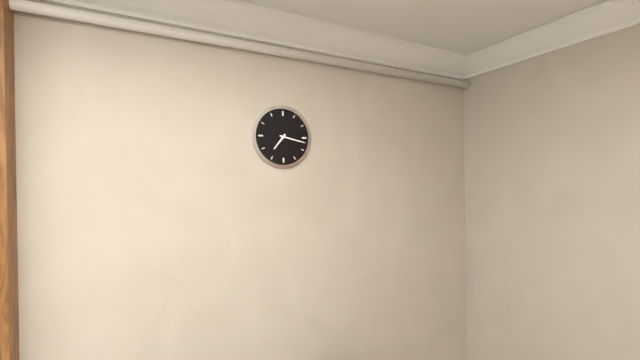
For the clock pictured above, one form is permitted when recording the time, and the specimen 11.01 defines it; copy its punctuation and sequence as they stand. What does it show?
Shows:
7.17
